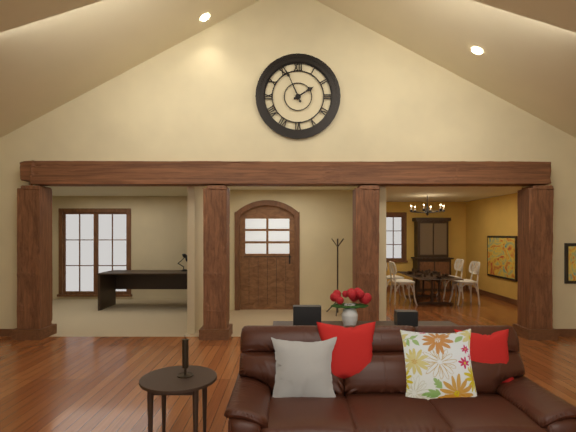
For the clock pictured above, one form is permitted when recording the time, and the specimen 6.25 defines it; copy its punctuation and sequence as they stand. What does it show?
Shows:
1.56
